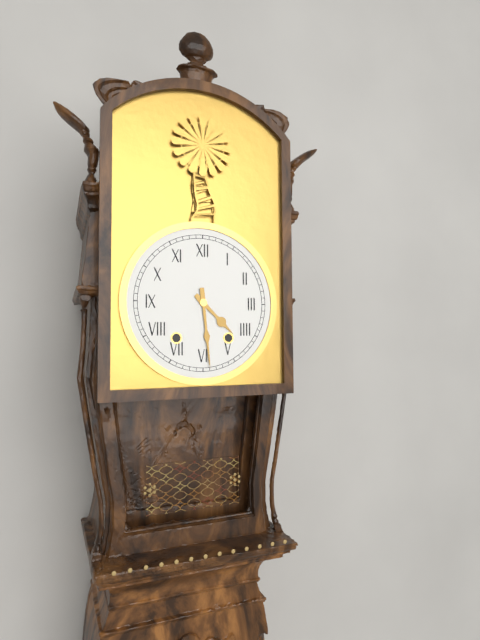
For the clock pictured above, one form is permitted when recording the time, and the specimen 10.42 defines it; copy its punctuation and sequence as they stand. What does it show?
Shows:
4.29
